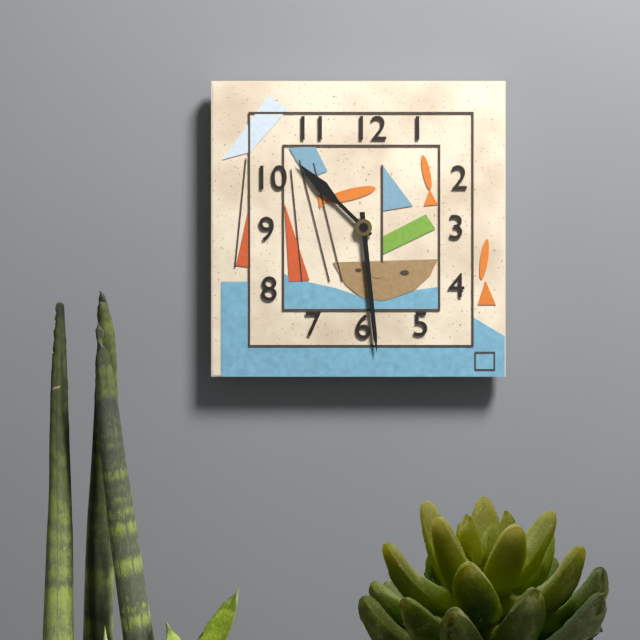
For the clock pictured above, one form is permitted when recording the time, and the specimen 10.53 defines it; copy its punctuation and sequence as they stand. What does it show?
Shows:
10.29
